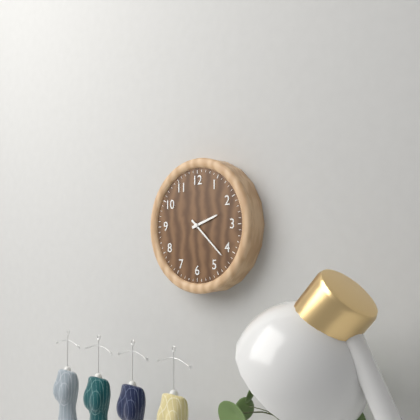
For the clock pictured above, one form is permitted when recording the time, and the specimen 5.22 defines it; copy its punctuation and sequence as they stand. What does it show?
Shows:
2.22
